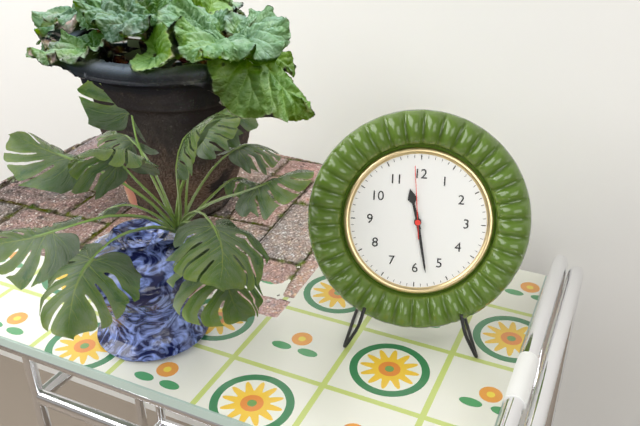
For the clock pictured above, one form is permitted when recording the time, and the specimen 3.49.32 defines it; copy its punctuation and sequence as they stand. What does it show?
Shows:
11.28.59
